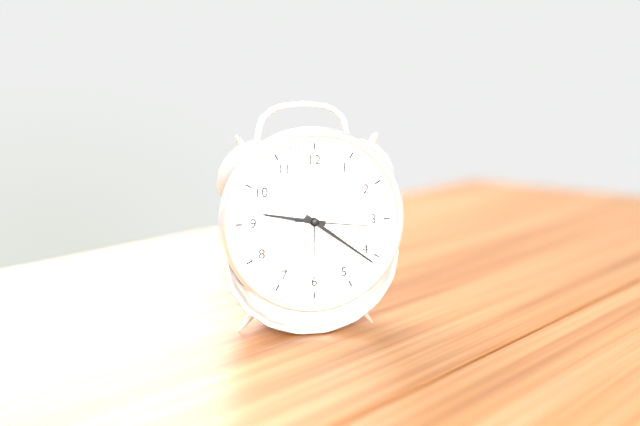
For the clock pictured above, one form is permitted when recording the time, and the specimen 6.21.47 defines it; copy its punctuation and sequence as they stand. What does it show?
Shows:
9.21.16
